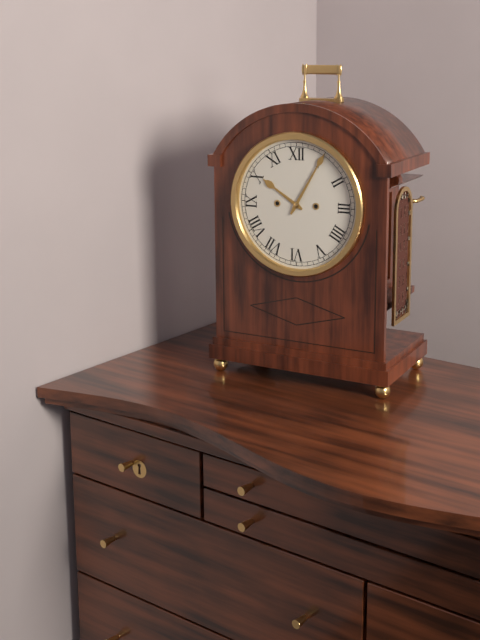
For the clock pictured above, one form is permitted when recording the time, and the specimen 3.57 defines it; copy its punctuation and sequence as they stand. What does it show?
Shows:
10.05
